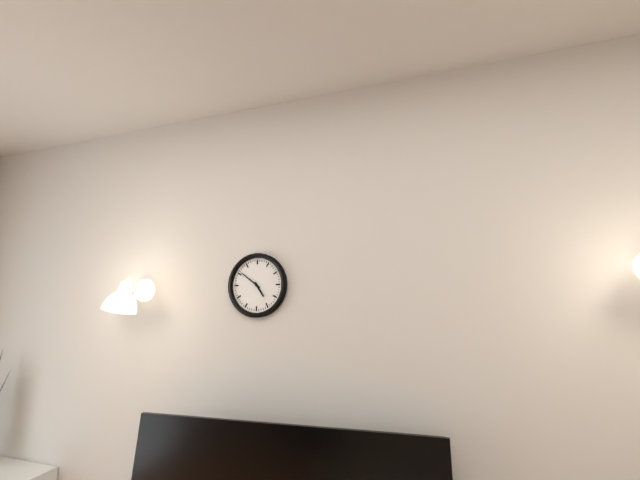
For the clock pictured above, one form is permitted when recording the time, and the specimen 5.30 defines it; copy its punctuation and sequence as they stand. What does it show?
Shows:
4.51
